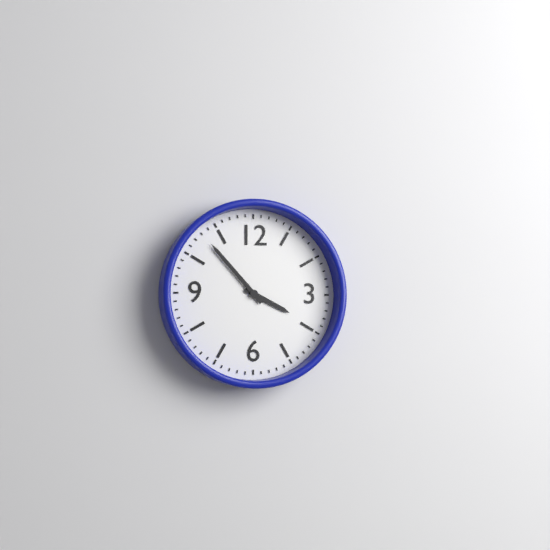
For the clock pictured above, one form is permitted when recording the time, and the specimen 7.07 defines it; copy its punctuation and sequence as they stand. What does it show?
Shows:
3.53
